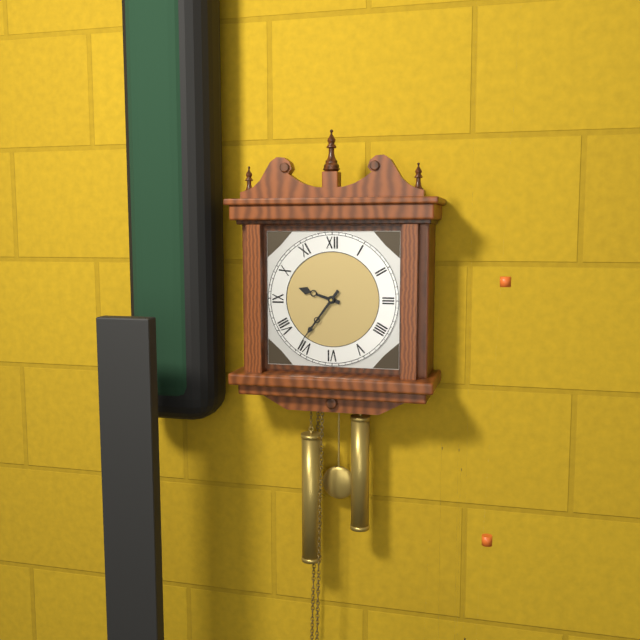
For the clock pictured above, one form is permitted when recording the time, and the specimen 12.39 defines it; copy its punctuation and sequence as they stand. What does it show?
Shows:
9.36
